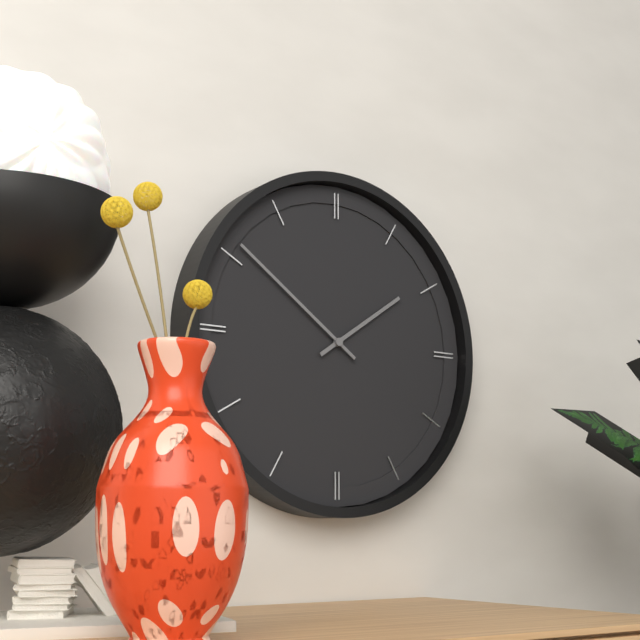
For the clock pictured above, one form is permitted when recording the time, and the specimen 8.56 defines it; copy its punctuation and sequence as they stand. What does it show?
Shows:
1.51
